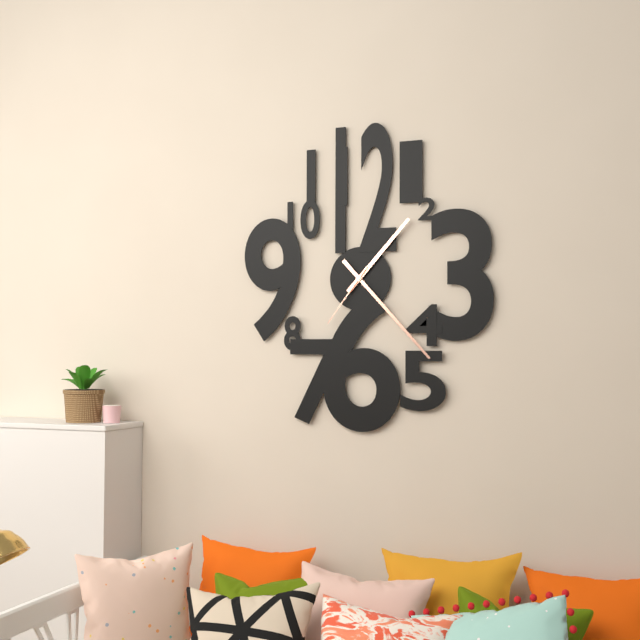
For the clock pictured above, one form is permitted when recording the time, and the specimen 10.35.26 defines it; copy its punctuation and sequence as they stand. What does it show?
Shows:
1.23.36
